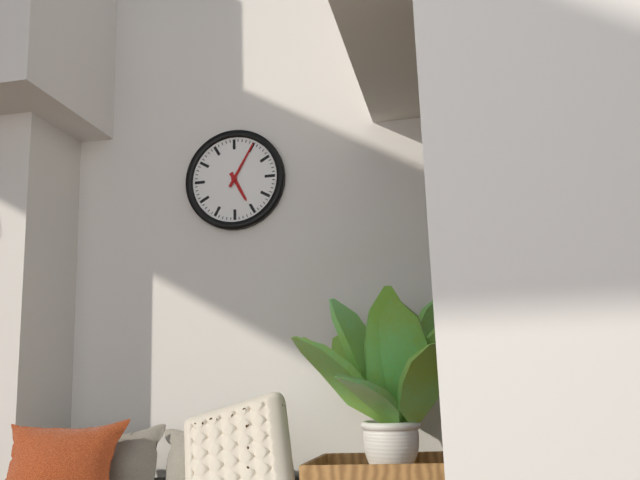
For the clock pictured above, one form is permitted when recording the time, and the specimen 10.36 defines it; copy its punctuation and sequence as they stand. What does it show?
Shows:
5.05
